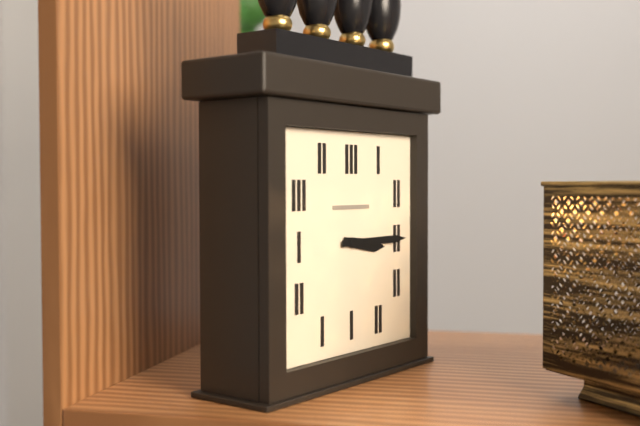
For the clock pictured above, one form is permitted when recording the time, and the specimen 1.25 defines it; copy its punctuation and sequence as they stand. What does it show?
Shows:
3.15
